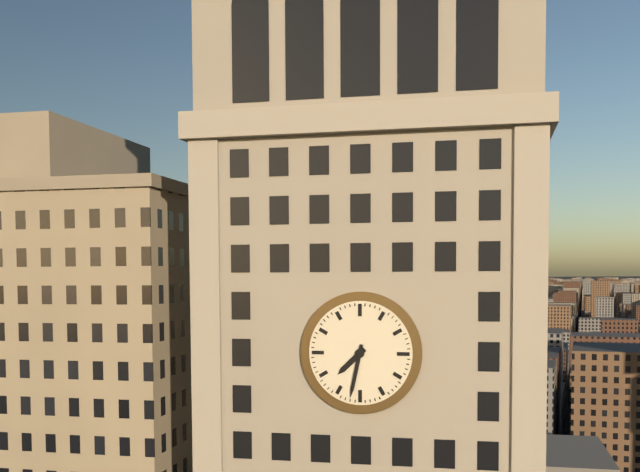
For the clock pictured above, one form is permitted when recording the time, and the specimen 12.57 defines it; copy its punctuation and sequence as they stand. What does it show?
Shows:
7.32
